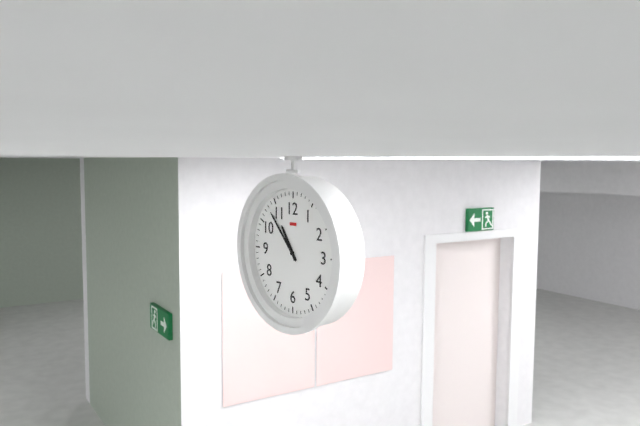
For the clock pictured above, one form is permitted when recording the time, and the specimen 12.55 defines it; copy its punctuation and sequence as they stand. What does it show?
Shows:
10.53
